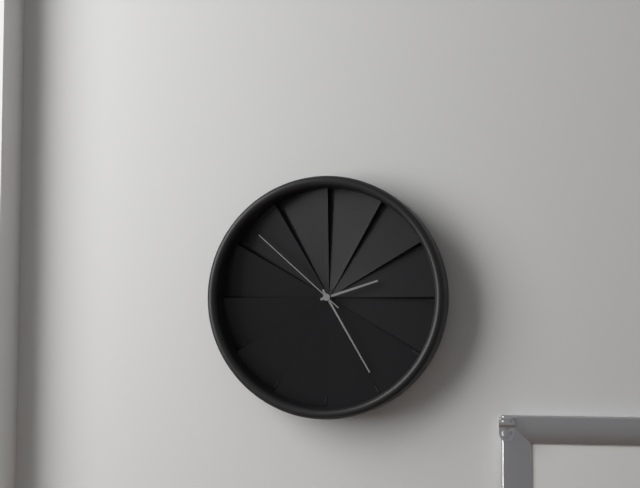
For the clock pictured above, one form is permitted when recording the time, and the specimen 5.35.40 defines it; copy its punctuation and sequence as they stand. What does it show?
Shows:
2.25.52
